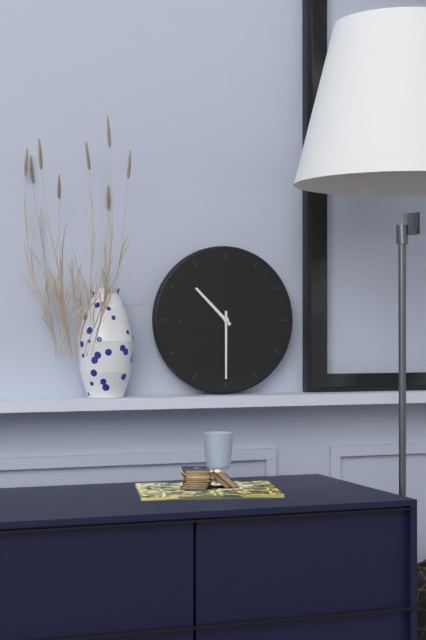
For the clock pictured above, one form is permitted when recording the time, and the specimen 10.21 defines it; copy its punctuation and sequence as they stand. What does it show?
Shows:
10.30
